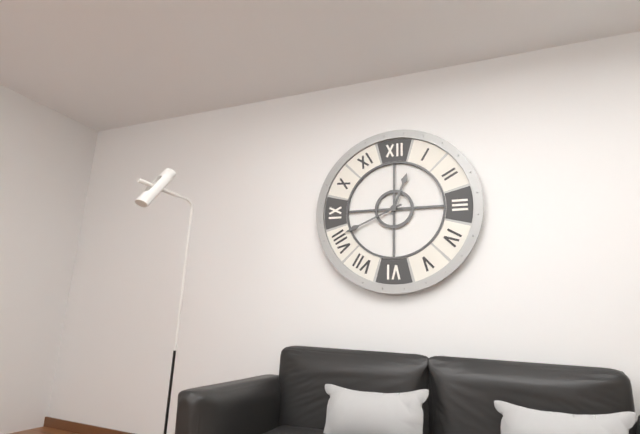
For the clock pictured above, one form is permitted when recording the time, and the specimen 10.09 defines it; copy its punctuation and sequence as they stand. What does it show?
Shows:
12.41
